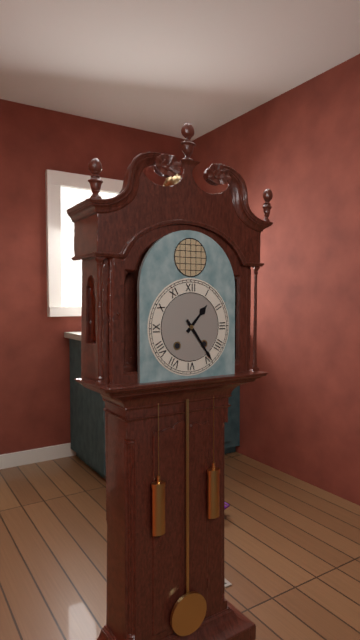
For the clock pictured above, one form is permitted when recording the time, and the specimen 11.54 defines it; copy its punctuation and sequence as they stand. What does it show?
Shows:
1.24
